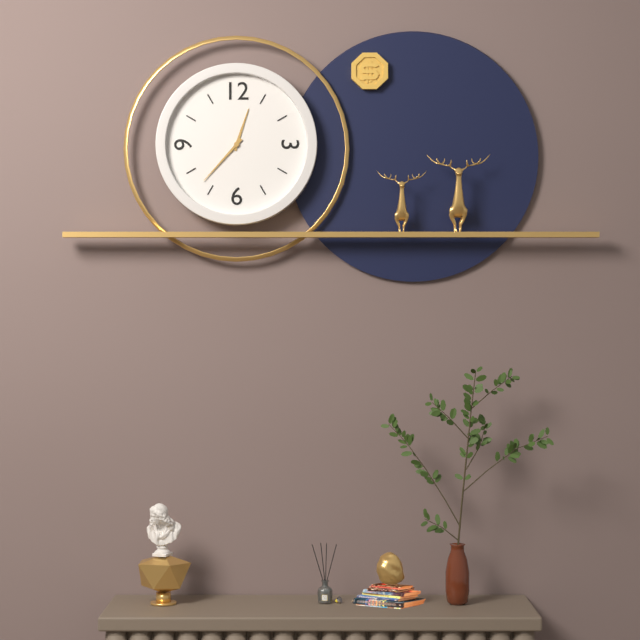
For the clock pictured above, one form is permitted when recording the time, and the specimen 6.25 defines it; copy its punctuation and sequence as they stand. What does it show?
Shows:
12.37
